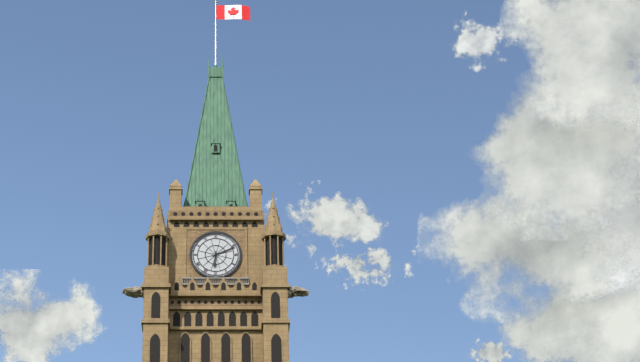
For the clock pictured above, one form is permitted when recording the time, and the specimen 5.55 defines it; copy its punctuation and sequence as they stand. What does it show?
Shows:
6.11
